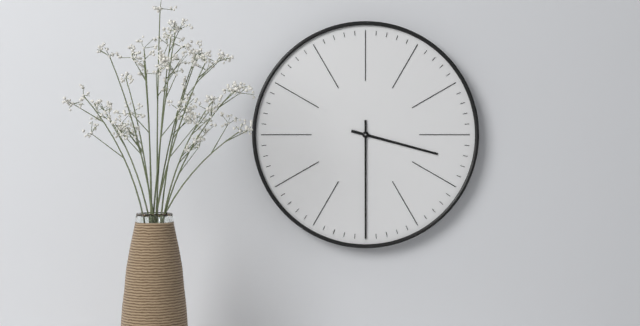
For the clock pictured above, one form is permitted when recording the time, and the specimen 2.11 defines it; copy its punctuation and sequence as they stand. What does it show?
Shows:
3.30
